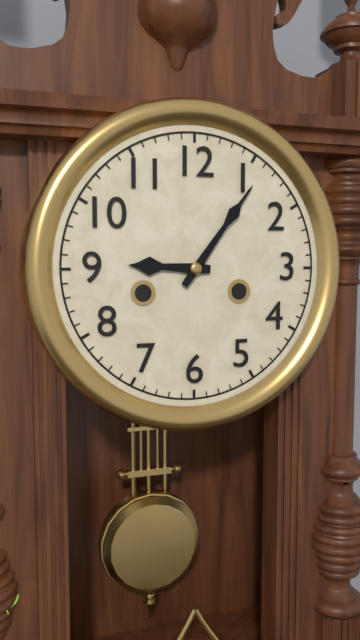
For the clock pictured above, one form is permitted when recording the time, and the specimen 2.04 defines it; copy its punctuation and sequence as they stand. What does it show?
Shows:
9.06
